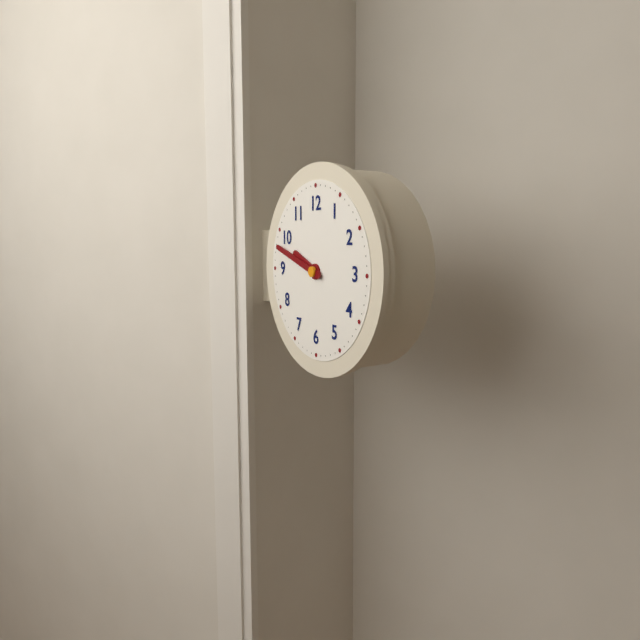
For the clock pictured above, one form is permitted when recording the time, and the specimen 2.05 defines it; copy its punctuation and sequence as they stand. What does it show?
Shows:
9.48
